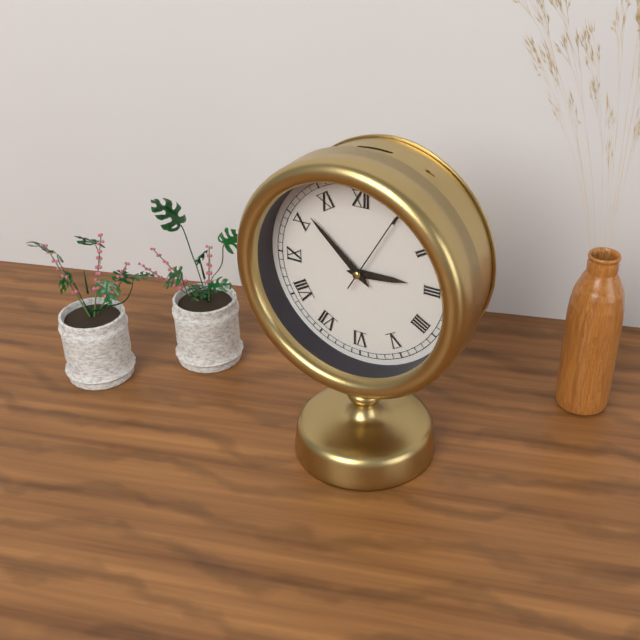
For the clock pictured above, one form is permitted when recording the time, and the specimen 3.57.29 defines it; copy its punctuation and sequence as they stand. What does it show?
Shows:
2.52.05
